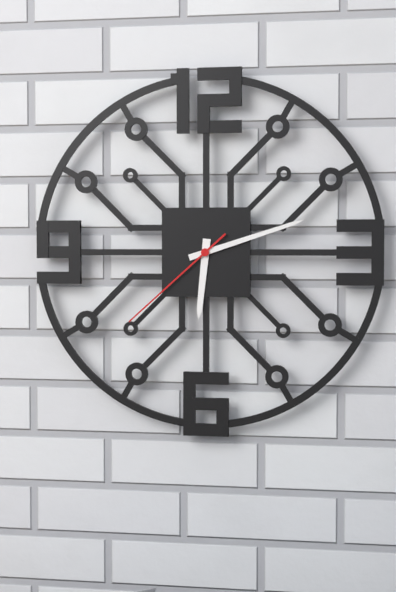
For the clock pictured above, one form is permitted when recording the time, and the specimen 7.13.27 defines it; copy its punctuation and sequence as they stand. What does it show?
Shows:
6.12.38
